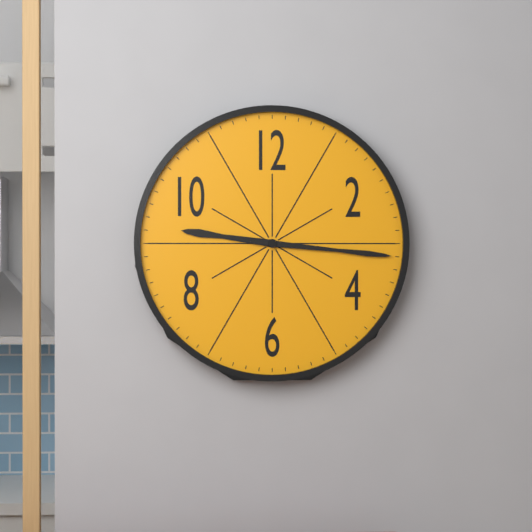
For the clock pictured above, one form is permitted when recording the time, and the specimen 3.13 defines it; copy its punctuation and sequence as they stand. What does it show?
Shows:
9.16
